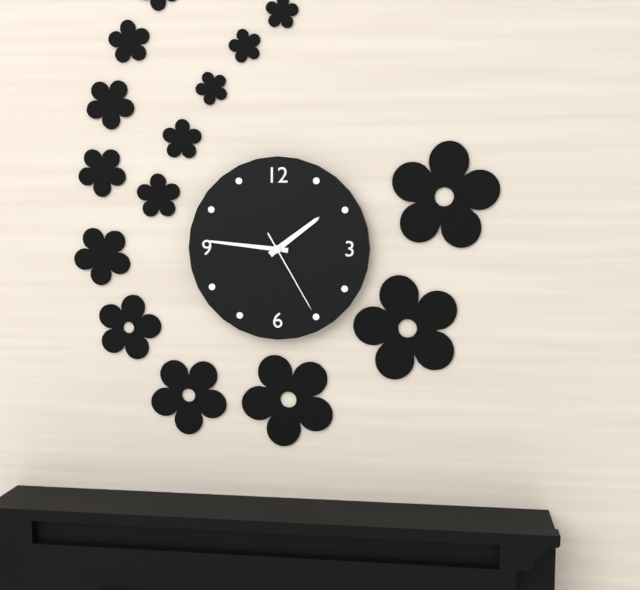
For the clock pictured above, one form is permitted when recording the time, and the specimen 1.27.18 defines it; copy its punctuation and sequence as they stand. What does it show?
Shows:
1.46.25
